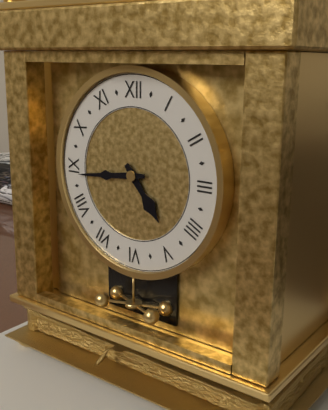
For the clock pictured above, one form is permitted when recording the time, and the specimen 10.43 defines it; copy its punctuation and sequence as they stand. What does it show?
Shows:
4.44
